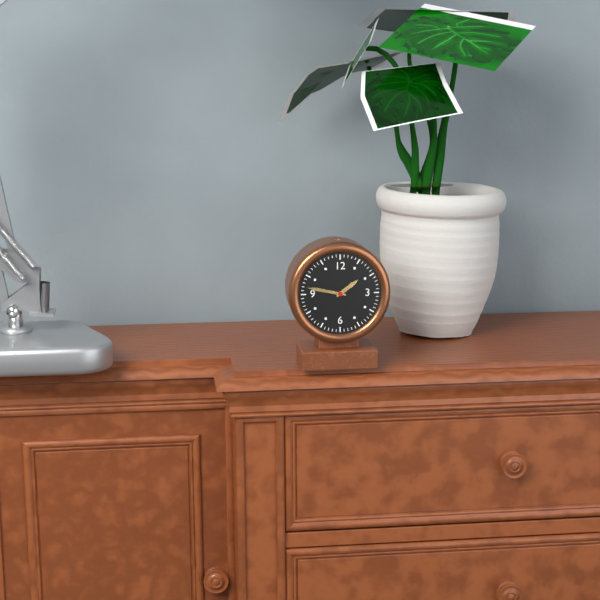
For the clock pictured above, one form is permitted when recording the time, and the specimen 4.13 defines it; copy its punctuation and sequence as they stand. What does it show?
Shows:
1.47
